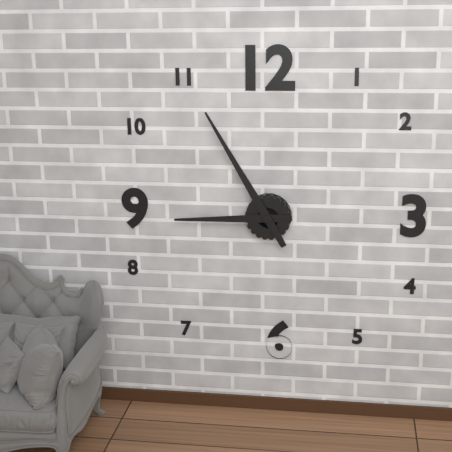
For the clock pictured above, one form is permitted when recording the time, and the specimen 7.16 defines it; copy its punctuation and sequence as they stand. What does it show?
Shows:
8.55
